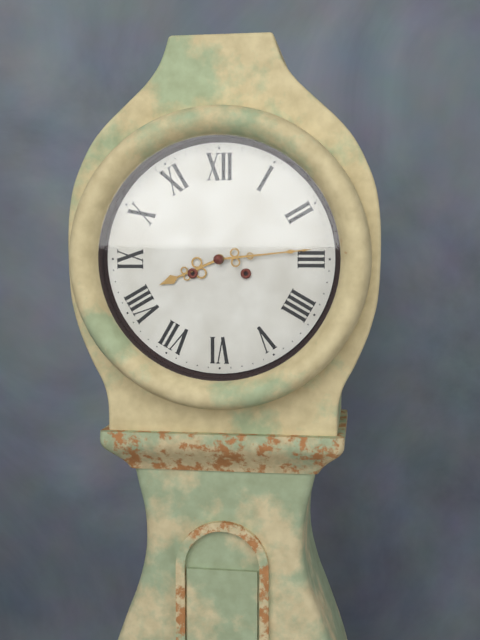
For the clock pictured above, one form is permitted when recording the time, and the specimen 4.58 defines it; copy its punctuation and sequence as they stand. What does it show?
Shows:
8.14
